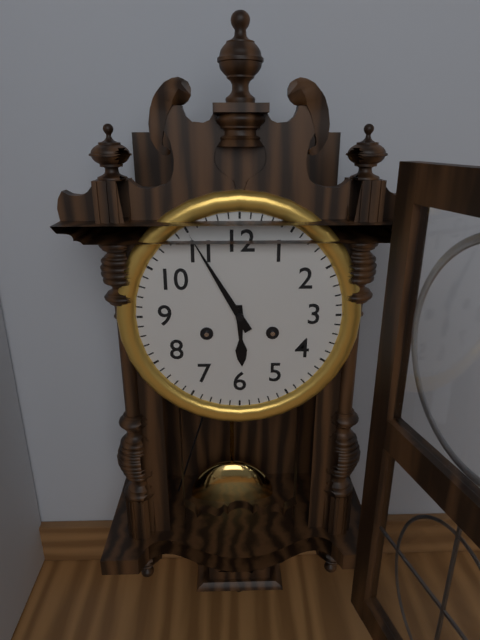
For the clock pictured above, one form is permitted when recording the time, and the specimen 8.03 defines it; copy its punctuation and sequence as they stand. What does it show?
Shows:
5.55
